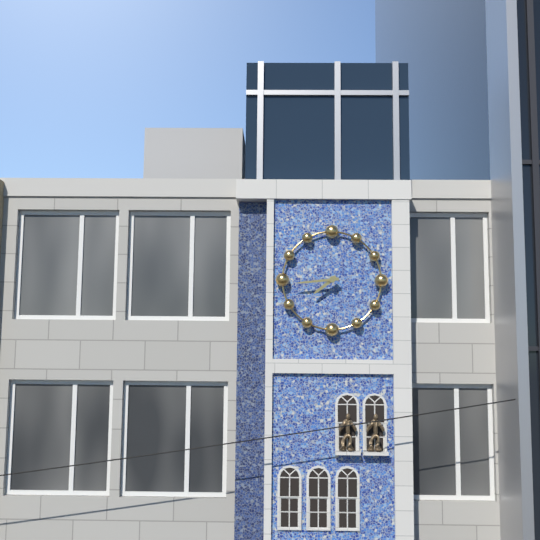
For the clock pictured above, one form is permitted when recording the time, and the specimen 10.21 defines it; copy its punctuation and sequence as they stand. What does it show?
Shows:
7.44
